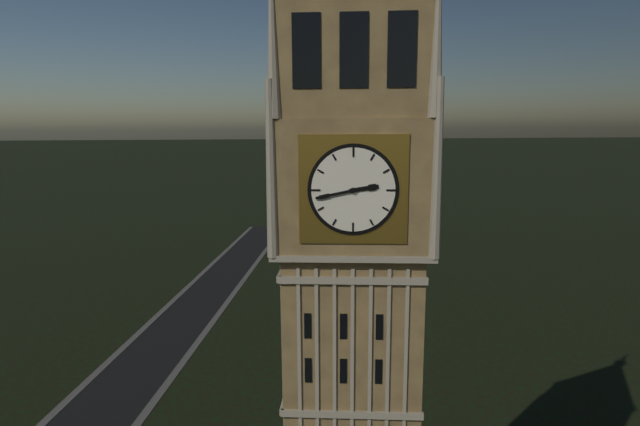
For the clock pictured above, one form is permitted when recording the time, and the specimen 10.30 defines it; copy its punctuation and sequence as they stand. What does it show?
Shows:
2.43
